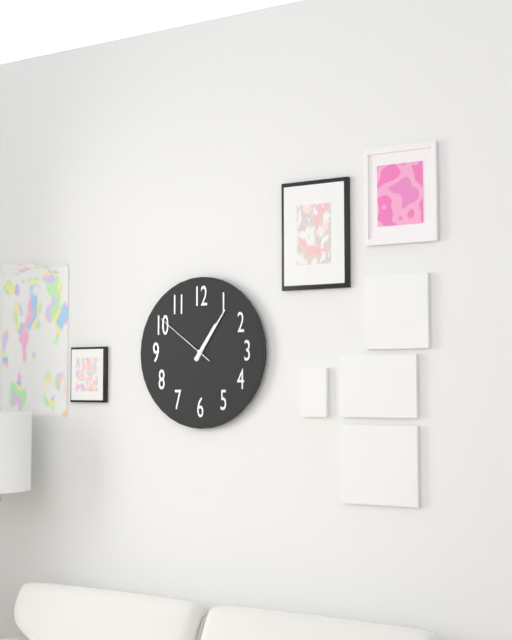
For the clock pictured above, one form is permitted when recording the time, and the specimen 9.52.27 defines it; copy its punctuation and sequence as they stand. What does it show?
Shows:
1.06.51
